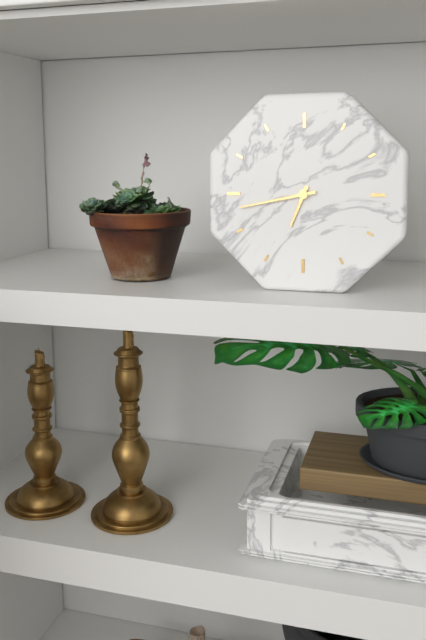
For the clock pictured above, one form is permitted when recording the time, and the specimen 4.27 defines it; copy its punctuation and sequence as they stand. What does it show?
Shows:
6.43
